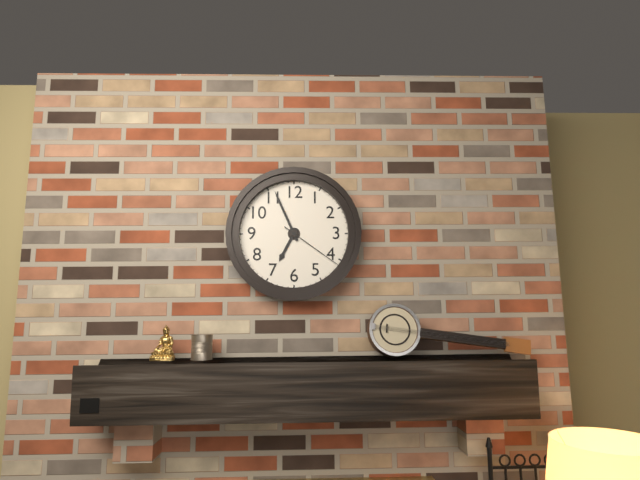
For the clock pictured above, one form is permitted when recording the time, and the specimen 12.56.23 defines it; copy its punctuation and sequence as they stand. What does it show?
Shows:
6.56.21
